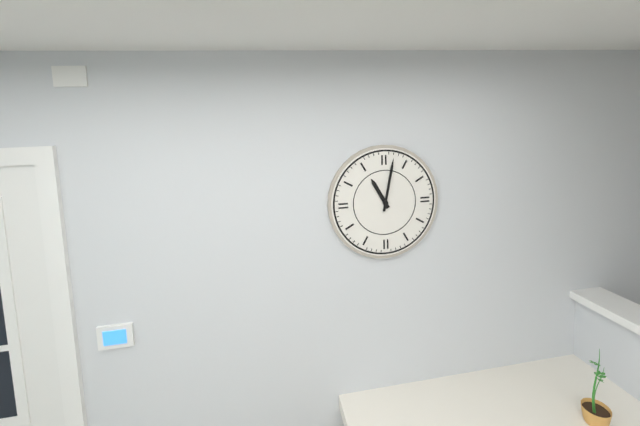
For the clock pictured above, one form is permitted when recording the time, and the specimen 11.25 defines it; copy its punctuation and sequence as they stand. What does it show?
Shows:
11.02
